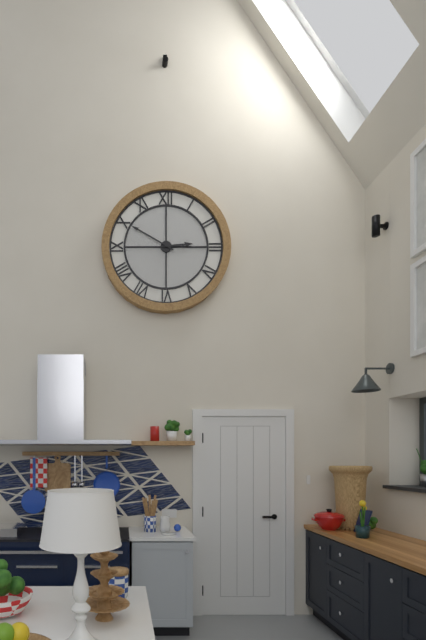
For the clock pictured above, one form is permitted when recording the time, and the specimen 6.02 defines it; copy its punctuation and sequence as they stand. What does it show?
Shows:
2.50
